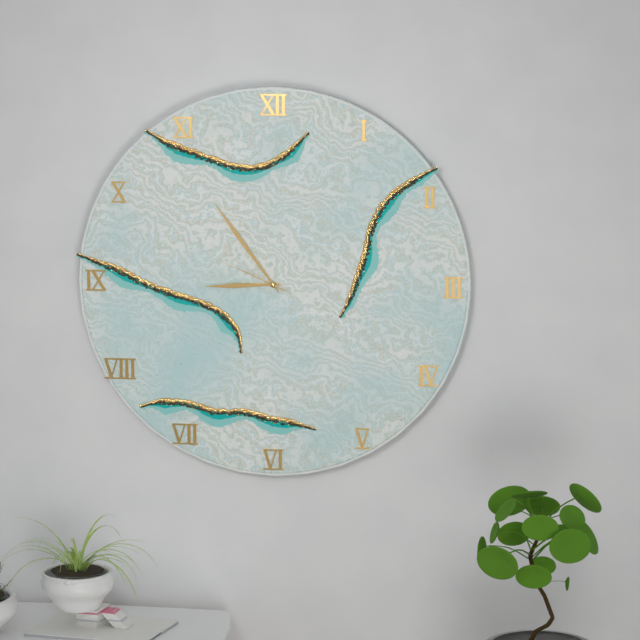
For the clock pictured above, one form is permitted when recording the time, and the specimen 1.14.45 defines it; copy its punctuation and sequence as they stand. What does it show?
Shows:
8.54.49
